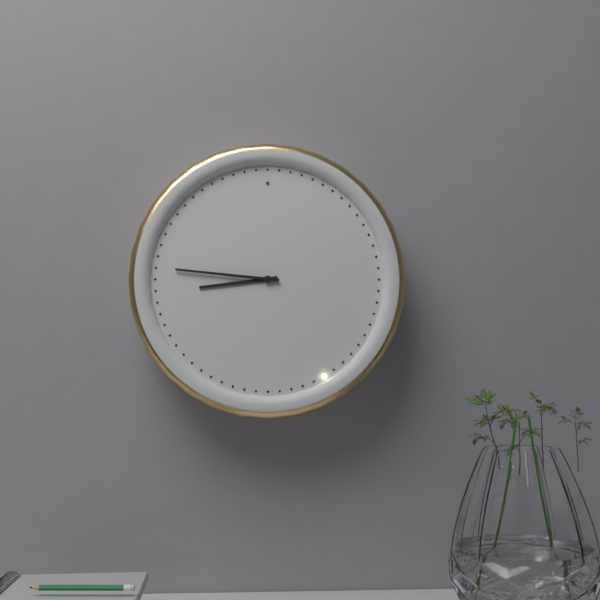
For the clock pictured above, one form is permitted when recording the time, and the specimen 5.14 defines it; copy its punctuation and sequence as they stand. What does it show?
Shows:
8.46
